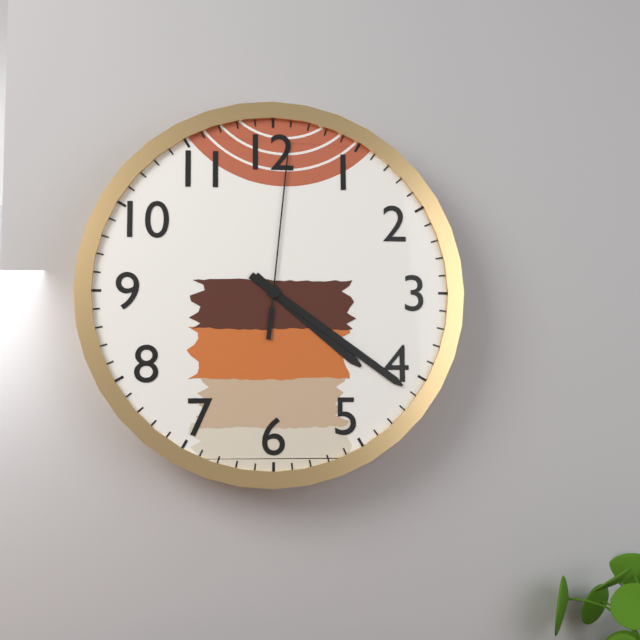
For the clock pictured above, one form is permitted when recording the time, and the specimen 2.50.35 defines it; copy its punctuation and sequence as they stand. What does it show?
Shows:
4.21.01
